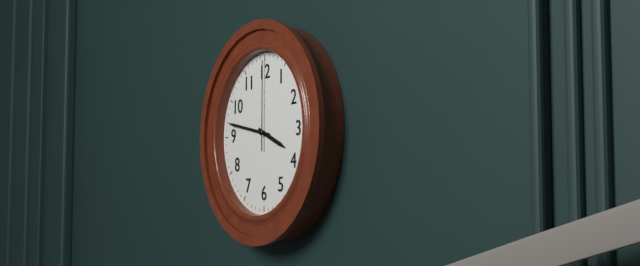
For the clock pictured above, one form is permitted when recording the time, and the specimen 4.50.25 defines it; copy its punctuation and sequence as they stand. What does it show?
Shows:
3.47.00
